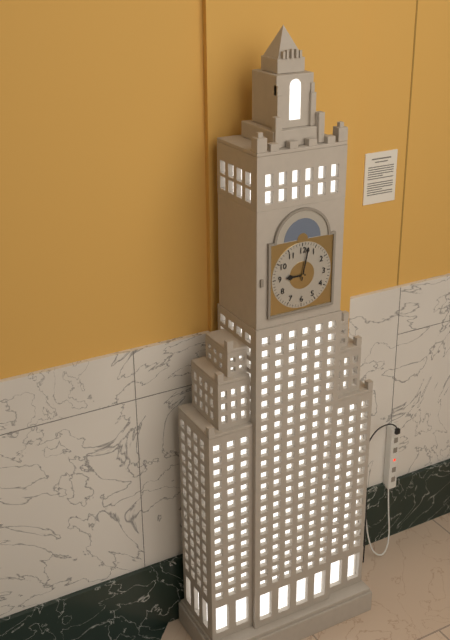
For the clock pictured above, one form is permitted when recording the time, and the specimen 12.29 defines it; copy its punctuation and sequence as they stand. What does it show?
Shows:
9.02
